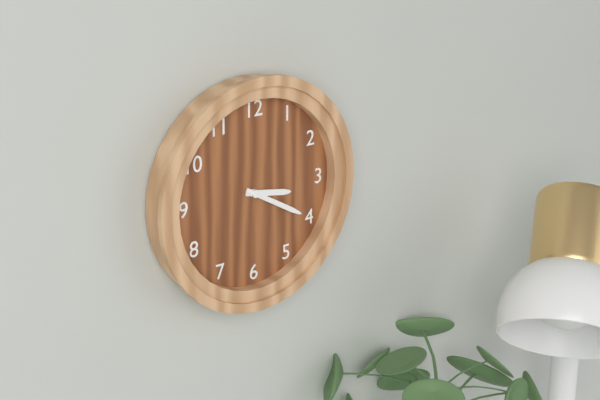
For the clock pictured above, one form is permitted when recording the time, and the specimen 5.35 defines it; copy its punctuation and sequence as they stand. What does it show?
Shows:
3.20
